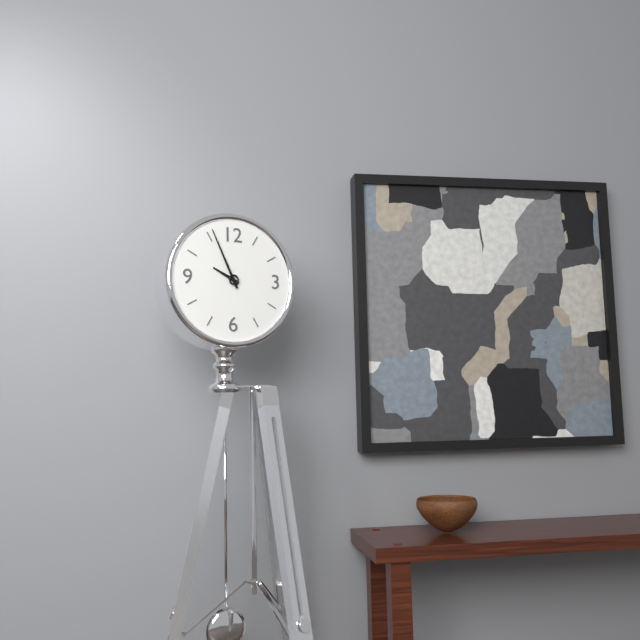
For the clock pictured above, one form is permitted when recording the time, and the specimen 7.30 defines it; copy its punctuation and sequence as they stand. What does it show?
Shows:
9.56
